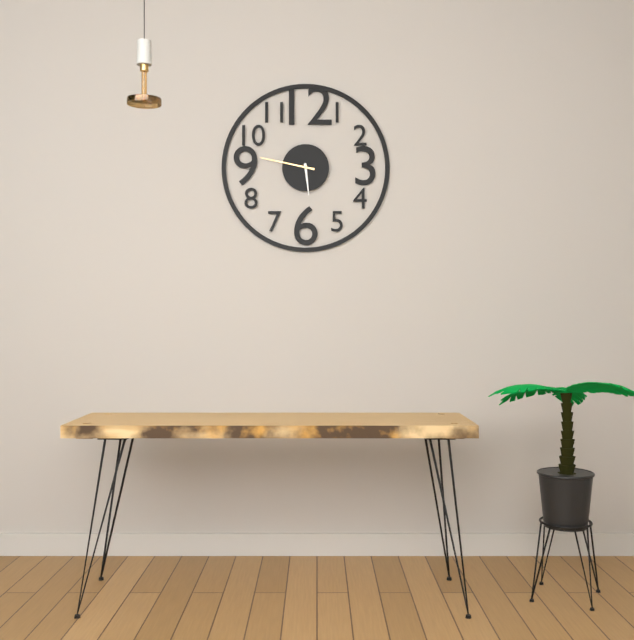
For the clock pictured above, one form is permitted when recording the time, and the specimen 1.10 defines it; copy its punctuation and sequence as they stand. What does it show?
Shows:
5.47
